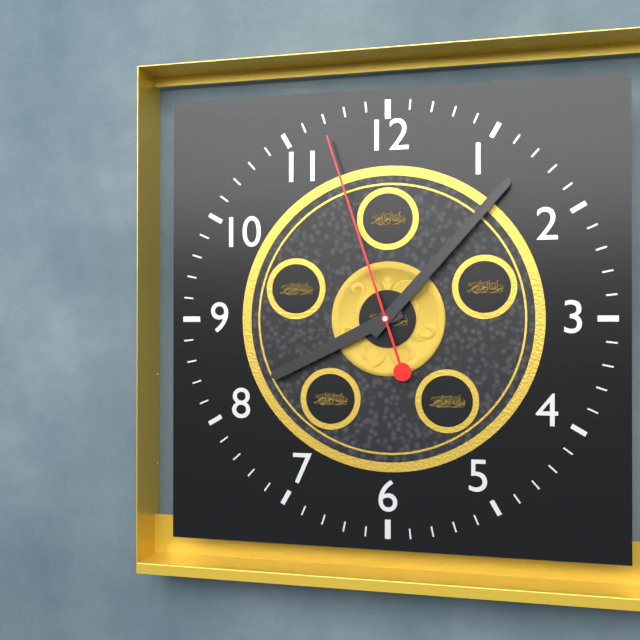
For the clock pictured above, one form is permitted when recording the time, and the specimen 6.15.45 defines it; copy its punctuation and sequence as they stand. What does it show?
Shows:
8.07.57
